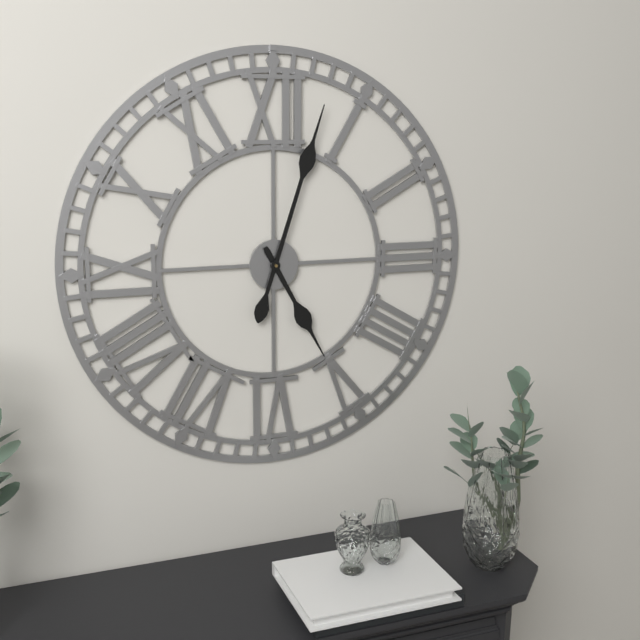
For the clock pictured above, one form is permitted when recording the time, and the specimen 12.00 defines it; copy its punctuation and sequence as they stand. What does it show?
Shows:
5.03
